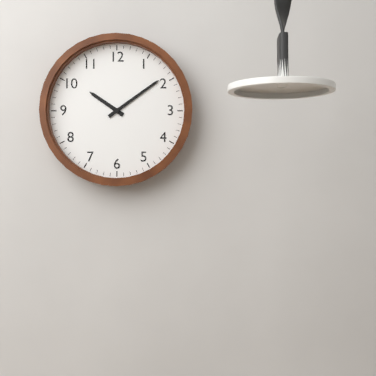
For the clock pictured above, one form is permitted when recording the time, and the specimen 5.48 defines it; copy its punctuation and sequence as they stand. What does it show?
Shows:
10.09
